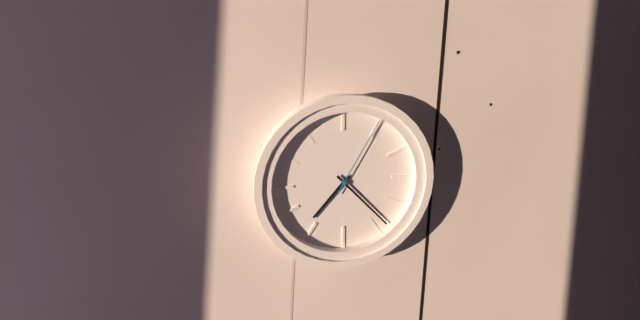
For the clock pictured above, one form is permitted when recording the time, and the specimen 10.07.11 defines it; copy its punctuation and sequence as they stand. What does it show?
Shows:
7.23.05
